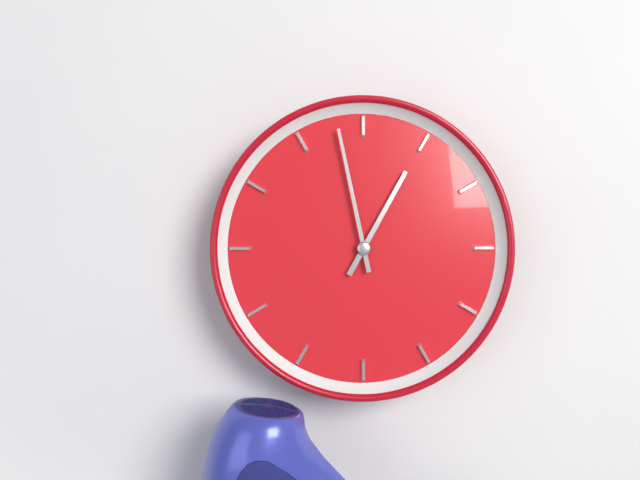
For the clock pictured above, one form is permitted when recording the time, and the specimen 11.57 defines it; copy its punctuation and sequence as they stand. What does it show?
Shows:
12.58
